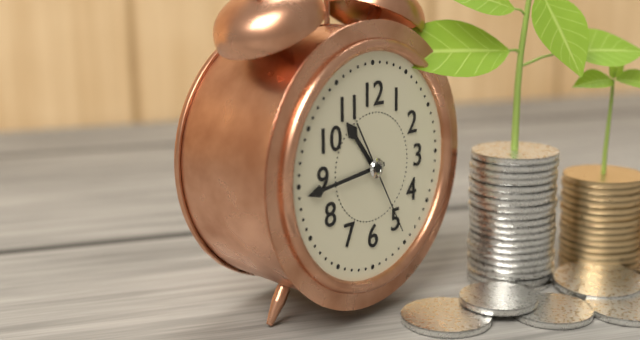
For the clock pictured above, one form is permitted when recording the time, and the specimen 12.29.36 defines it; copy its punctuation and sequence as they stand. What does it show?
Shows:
10.44.25
